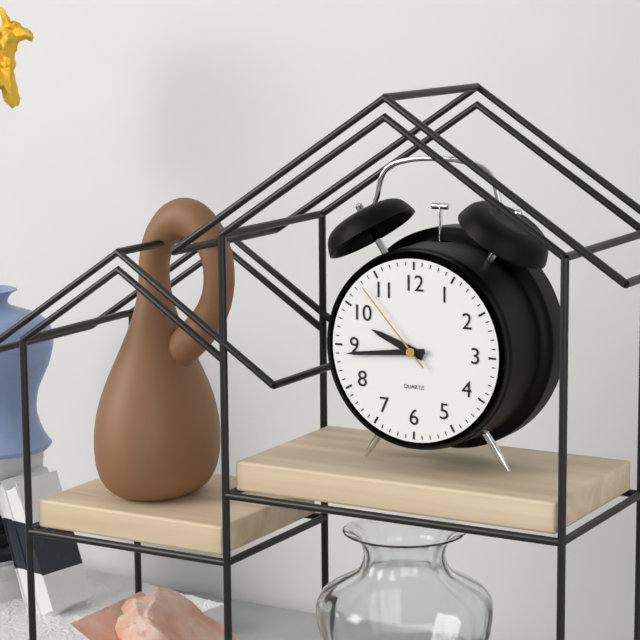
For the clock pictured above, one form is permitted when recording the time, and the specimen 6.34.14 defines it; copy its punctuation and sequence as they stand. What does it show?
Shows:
9.44.53
